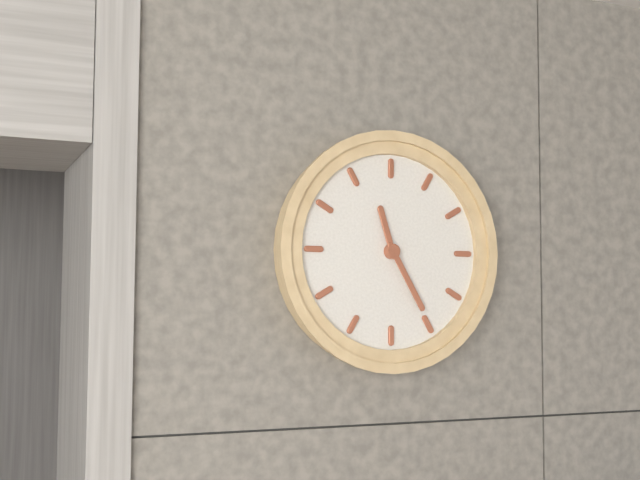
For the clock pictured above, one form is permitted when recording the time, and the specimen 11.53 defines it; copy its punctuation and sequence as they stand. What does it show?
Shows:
11.25
